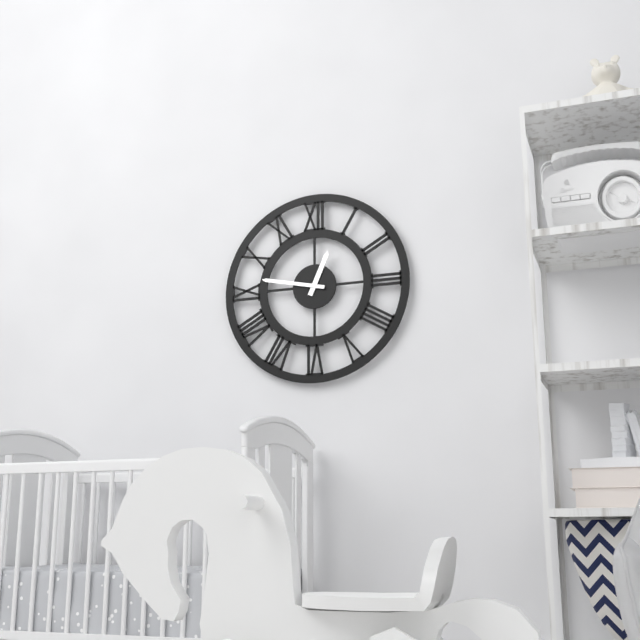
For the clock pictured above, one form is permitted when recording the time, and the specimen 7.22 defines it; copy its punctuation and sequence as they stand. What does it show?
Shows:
12.47
